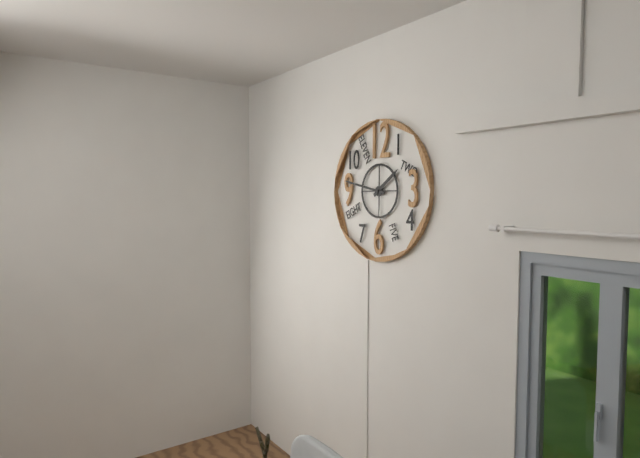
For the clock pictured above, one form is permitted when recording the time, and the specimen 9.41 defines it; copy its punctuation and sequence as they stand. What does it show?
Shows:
1.47
